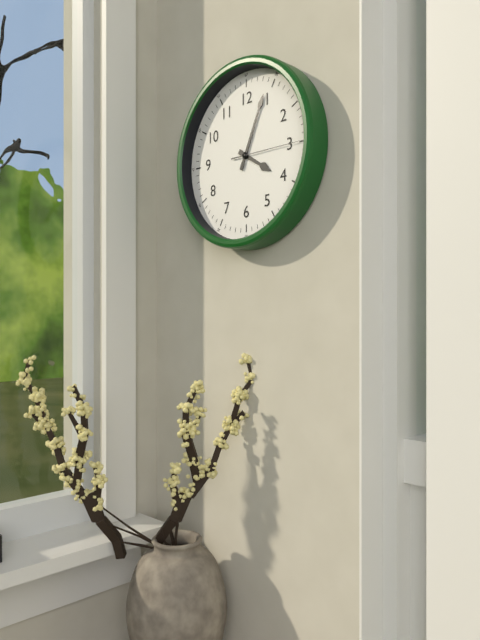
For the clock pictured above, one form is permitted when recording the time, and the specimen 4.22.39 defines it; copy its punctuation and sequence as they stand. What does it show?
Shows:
4.04.15
